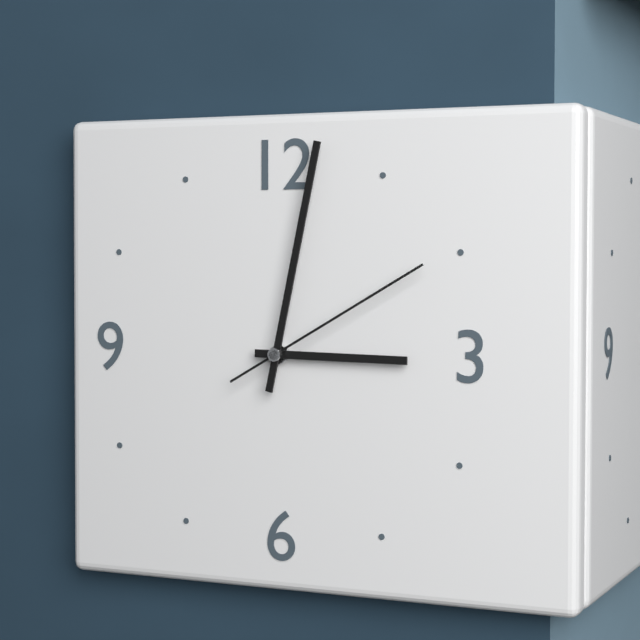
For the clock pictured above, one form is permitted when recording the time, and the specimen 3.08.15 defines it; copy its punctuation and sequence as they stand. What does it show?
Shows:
3.02.10
